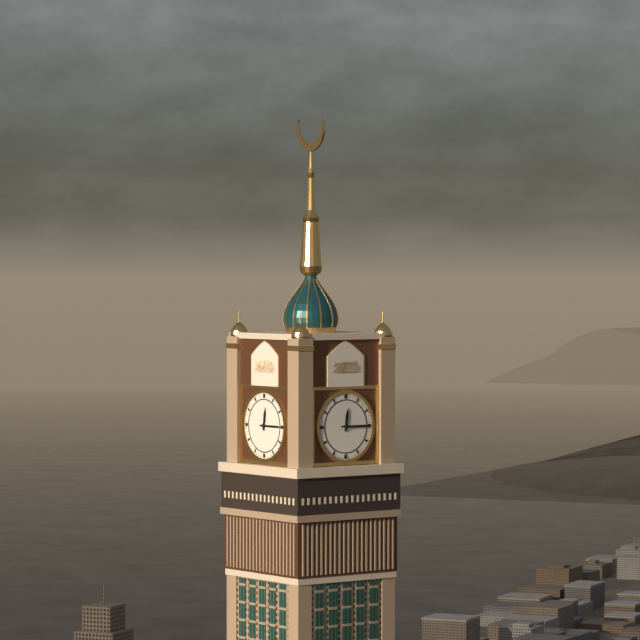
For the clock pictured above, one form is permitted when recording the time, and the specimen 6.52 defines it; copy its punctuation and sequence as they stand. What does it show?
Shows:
12.15
